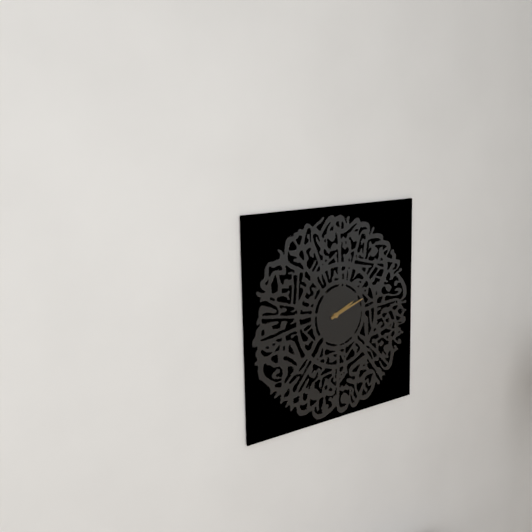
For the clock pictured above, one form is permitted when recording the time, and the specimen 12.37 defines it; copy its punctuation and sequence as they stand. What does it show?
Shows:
2.12
